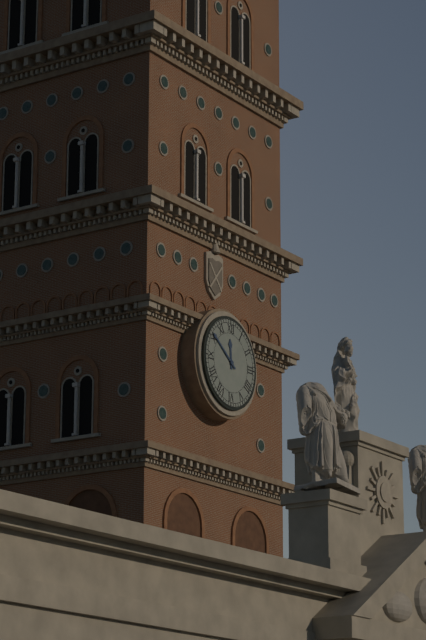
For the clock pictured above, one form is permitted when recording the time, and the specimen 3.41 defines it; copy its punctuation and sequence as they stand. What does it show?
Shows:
11.51
